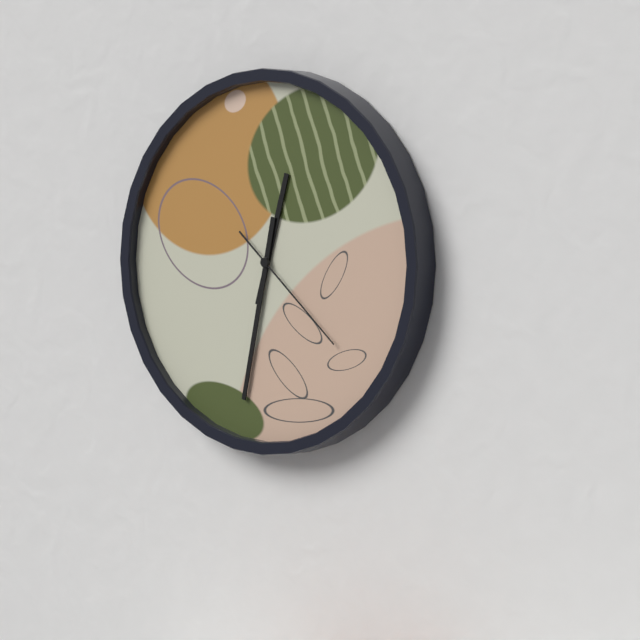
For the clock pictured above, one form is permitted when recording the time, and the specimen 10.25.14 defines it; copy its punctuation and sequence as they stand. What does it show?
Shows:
12.32.22
